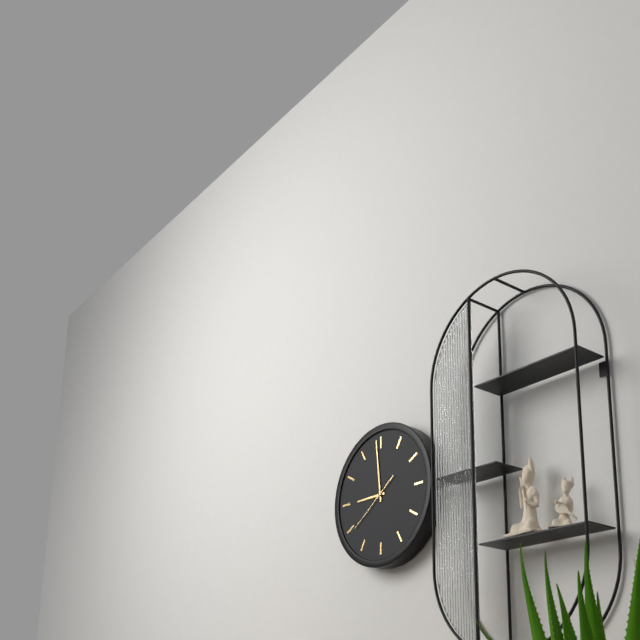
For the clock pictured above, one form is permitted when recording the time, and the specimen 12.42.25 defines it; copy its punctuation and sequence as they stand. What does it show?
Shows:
8.59.39
